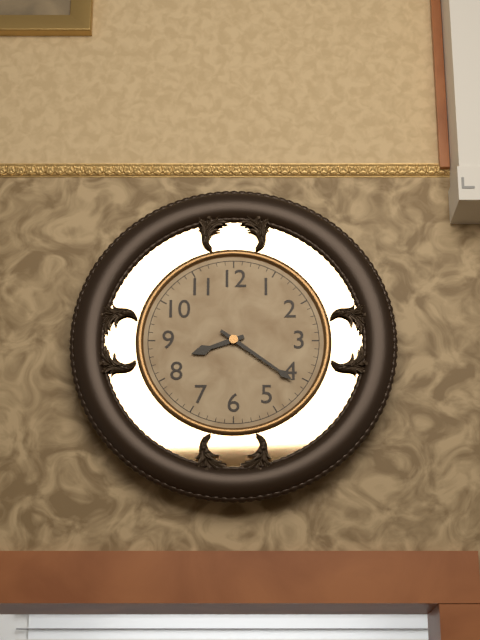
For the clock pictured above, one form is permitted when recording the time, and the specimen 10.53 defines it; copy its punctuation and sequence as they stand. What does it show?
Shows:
8.21
